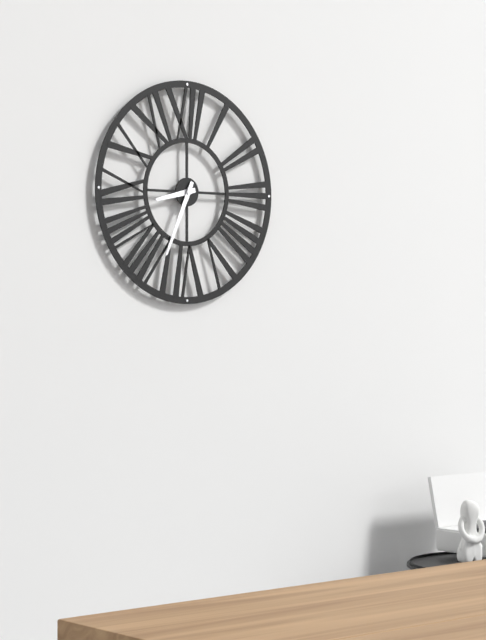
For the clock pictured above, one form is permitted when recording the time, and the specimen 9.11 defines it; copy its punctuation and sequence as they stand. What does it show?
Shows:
8.34
